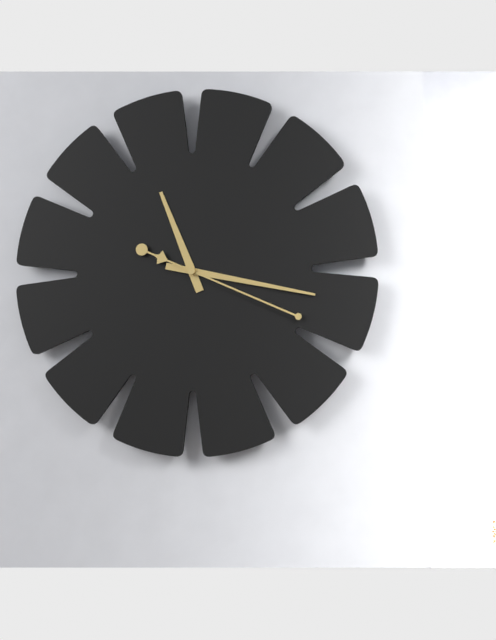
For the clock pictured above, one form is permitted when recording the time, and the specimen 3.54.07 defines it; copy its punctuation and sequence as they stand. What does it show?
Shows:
11.17.19
